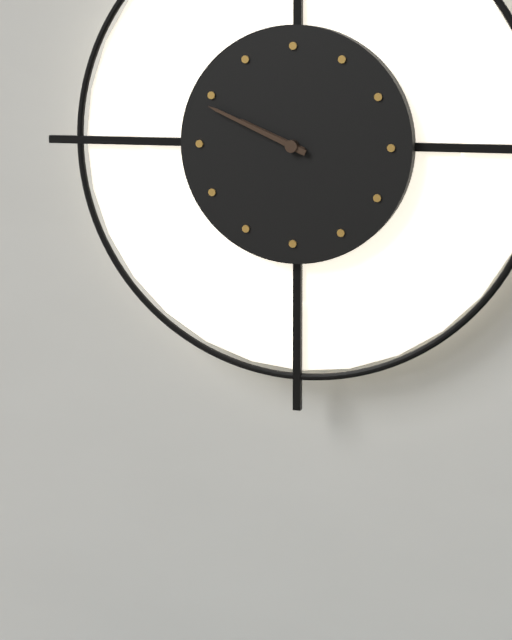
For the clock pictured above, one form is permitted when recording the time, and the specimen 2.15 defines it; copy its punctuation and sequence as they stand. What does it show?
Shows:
9.49
